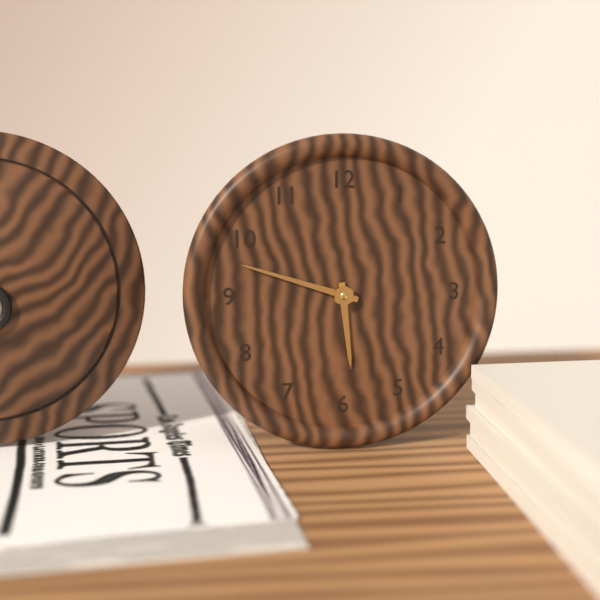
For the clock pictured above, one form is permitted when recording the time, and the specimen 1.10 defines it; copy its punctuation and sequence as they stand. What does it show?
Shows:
5.48
